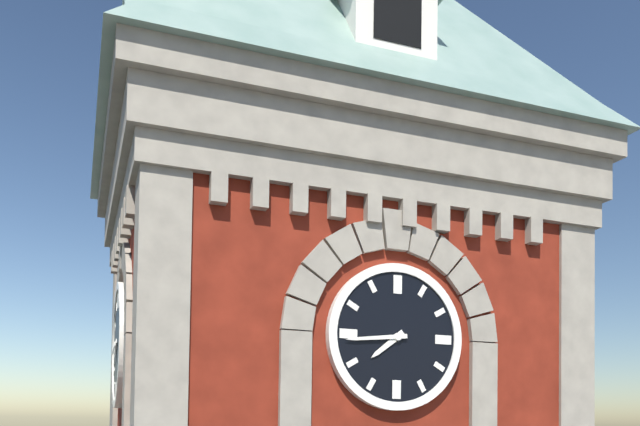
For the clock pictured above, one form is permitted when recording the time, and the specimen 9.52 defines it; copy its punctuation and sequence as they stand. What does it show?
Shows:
7.44
